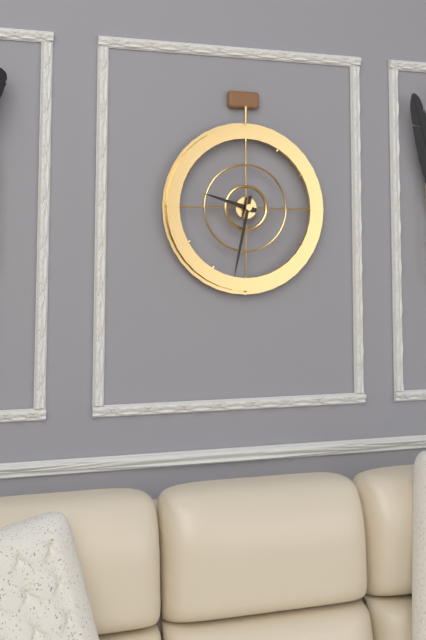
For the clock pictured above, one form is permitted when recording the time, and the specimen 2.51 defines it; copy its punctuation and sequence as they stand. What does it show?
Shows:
9.32
